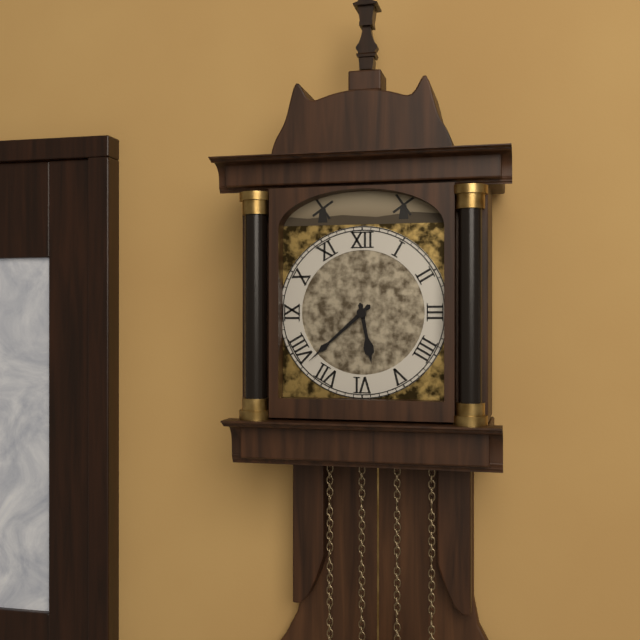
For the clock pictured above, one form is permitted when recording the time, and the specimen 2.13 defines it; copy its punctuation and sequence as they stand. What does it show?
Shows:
5.38
